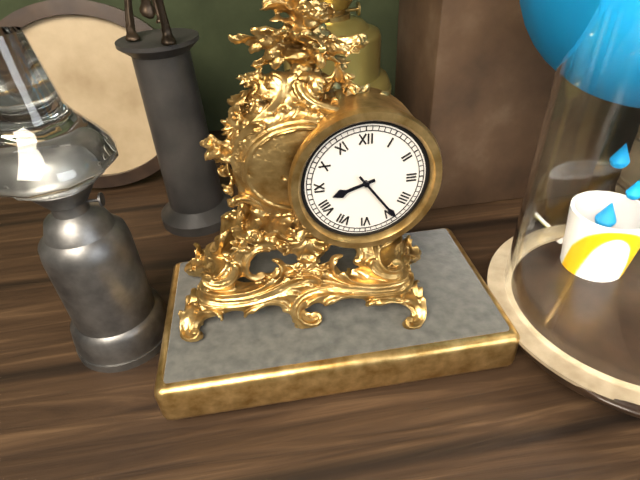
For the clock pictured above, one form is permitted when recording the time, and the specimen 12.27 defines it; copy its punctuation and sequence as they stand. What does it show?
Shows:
8.24
